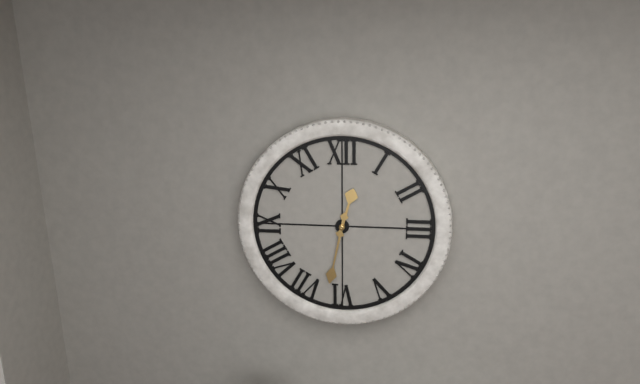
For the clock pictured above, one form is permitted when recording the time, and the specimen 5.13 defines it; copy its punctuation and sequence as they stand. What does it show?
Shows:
12.32
